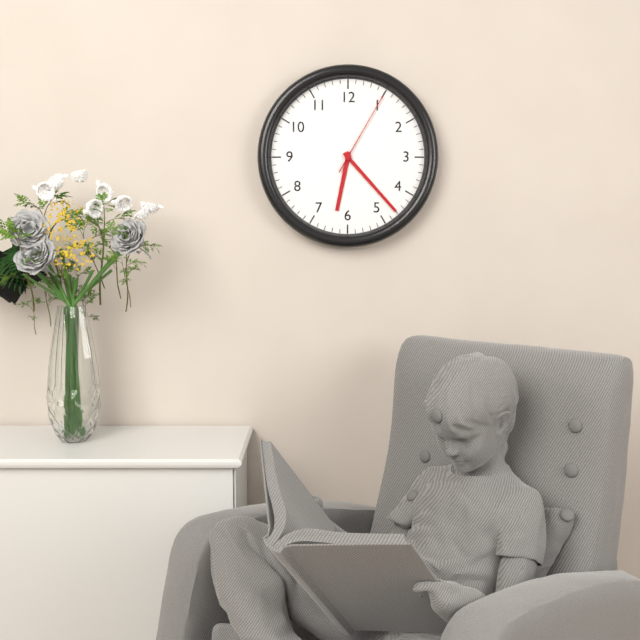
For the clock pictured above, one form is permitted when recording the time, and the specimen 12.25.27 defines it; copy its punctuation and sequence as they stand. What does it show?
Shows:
6.23.05
